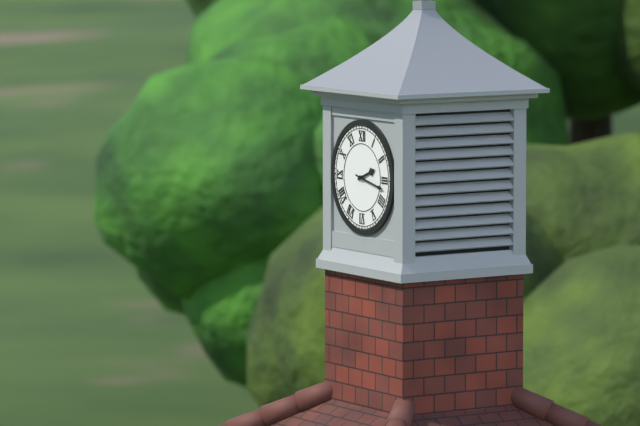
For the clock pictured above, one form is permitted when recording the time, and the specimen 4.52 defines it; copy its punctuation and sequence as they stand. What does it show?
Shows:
2.17
